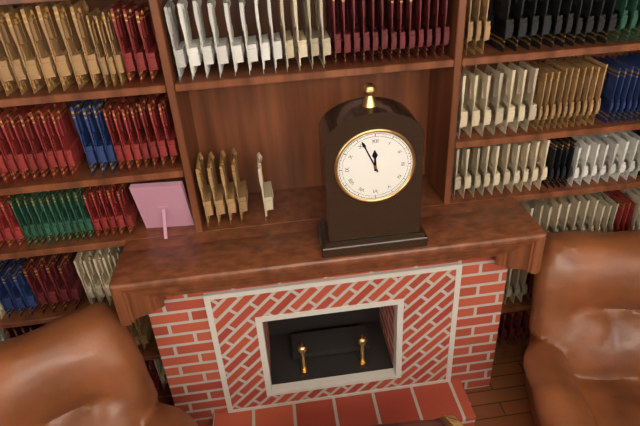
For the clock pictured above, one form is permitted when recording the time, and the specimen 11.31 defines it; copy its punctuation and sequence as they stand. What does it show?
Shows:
11.56
